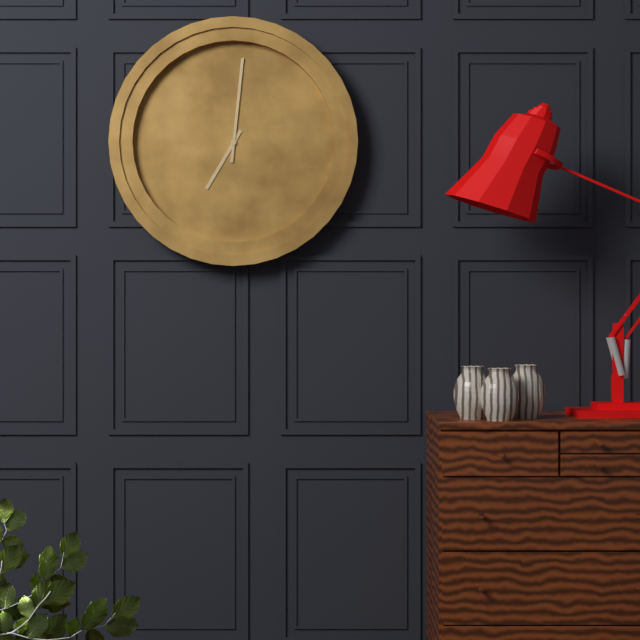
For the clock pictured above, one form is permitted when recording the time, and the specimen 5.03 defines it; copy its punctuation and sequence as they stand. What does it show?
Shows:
7.01
